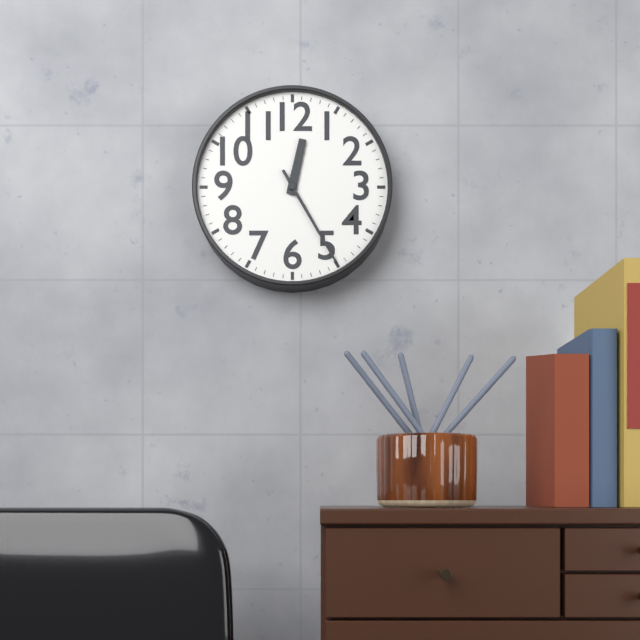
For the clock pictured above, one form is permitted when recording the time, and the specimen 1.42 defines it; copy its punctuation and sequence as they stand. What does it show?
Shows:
12.25
